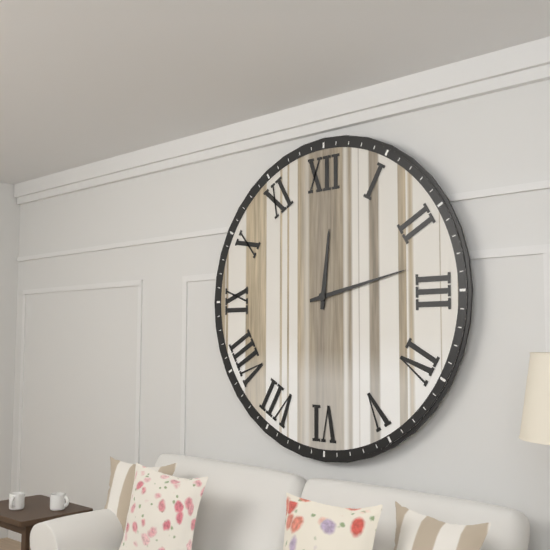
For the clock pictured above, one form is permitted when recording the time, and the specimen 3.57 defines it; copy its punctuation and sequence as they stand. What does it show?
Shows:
12.13
